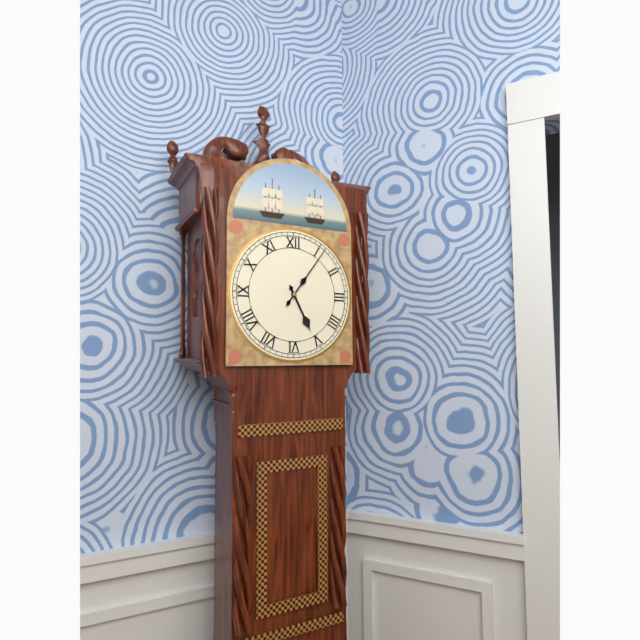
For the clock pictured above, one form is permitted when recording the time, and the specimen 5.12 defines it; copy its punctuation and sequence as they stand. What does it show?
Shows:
5.06
